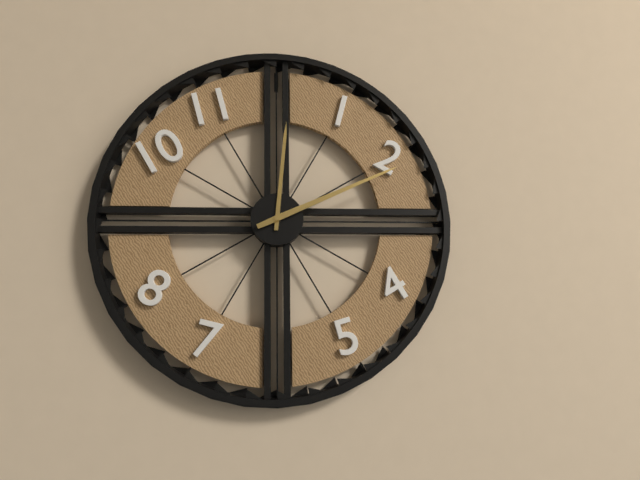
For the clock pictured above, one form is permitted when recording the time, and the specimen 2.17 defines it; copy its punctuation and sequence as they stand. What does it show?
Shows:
12.11
